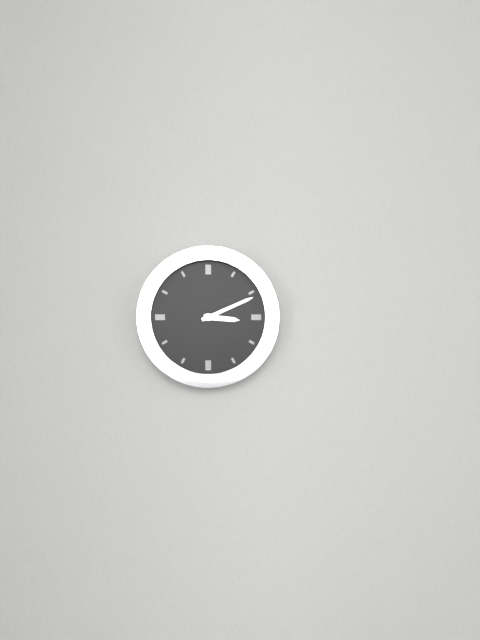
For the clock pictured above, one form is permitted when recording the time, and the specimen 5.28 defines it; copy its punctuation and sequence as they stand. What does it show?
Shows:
3.11
